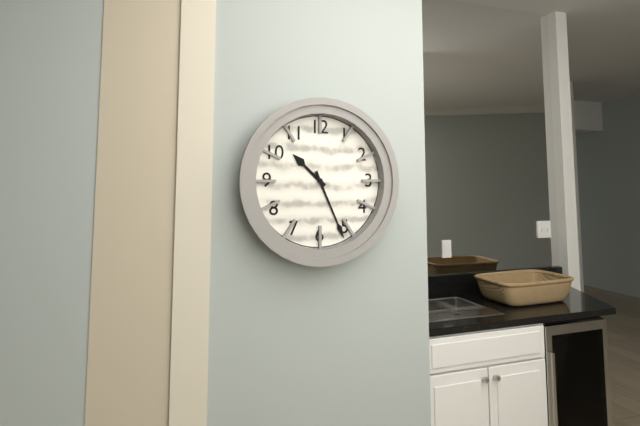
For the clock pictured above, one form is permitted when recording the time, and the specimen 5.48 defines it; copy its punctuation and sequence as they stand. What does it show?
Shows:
10.26
